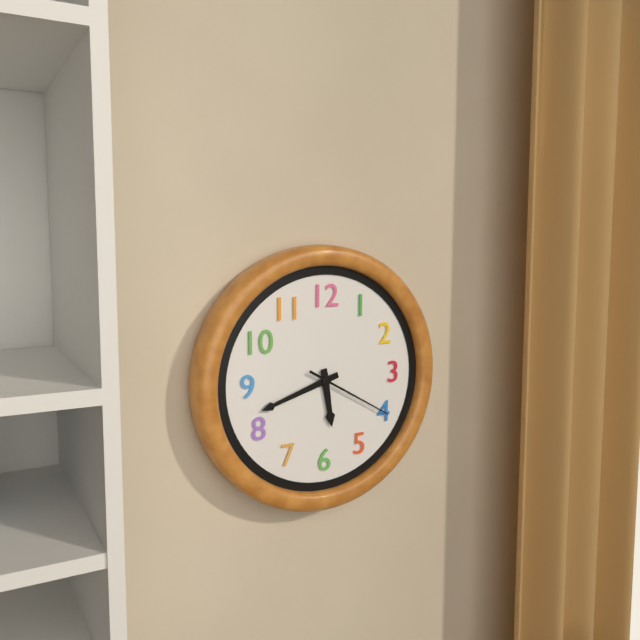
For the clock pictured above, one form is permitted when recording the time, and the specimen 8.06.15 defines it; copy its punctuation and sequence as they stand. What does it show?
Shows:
5.42.20
